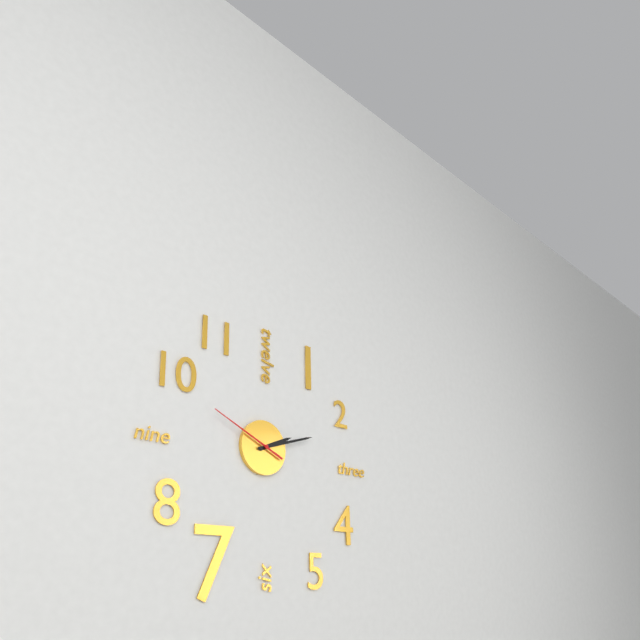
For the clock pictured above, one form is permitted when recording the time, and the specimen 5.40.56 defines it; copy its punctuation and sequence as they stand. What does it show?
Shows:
2.12.49
